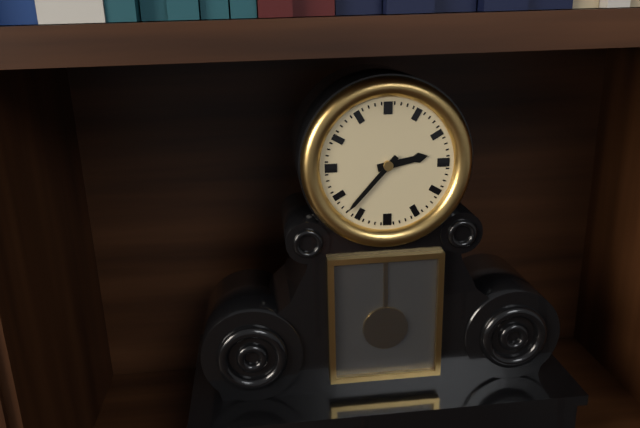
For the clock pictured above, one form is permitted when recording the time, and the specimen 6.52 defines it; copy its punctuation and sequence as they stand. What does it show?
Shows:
2.37
